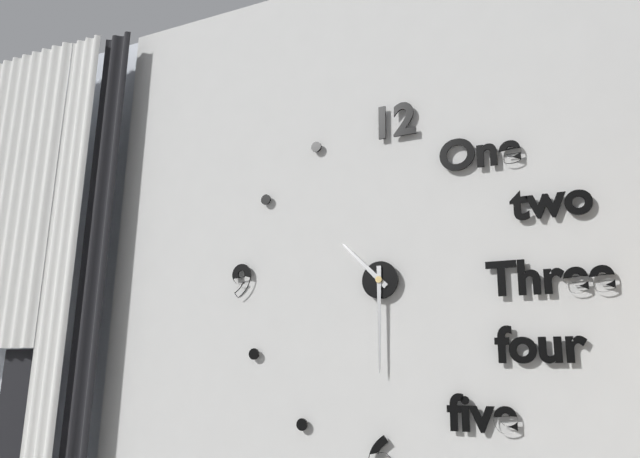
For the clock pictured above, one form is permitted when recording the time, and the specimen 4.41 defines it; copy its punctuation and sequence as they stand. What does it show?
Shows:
10.30
